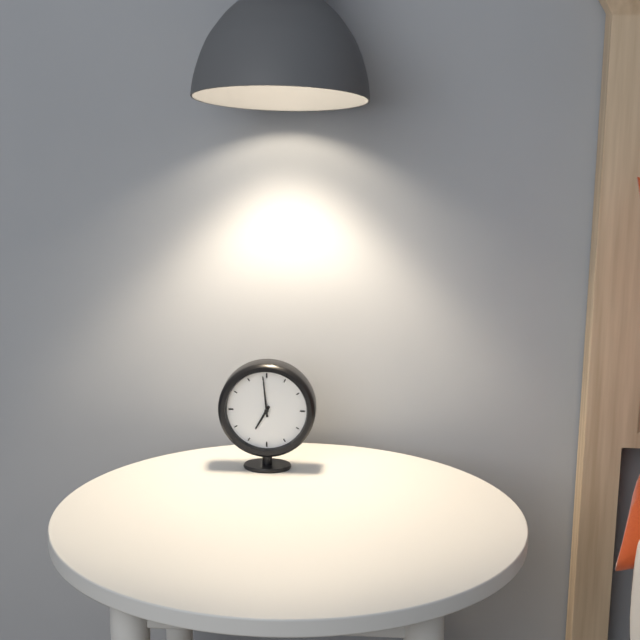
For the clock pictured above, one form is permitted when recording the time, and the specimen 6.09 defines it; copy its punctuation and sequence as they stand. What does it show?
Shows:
6.59
